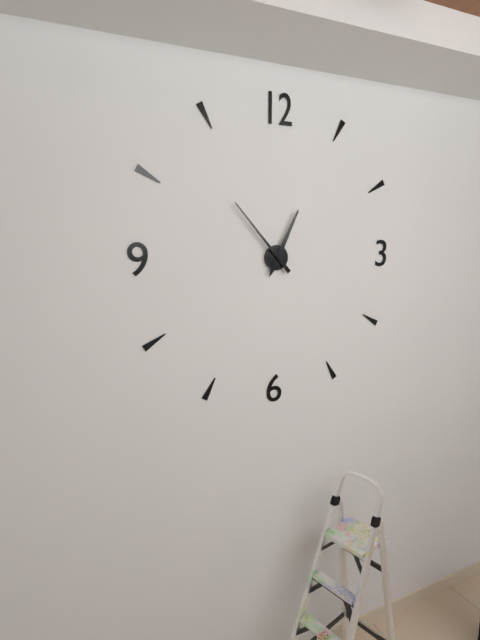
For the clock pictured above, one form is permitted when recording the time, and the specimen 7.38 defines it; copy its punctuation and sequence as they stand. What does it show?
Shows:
12.53
